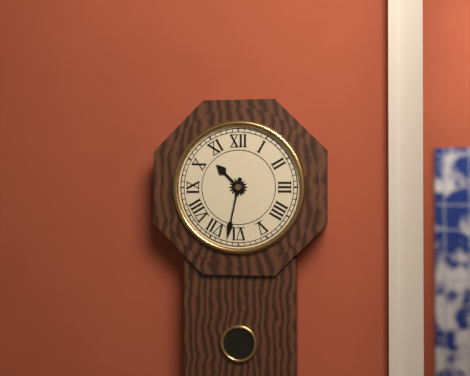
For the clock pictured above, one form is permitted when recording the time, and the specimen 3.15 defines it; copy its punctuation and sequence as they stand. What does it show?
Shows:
10.32
